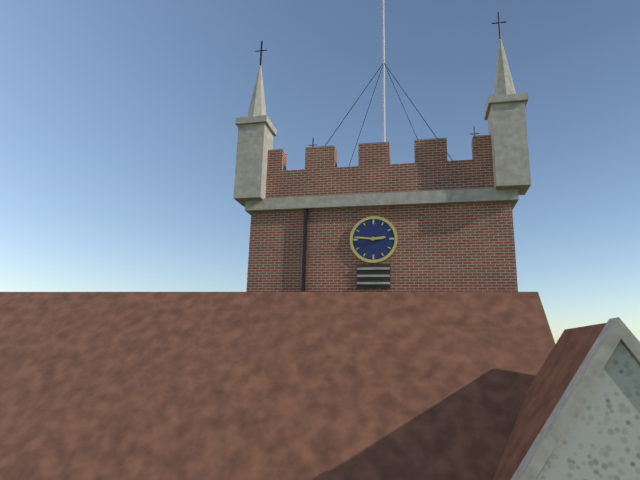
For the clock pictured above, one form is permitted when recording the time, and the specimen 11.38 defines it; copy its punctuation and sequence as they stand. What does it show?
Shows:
2.46
